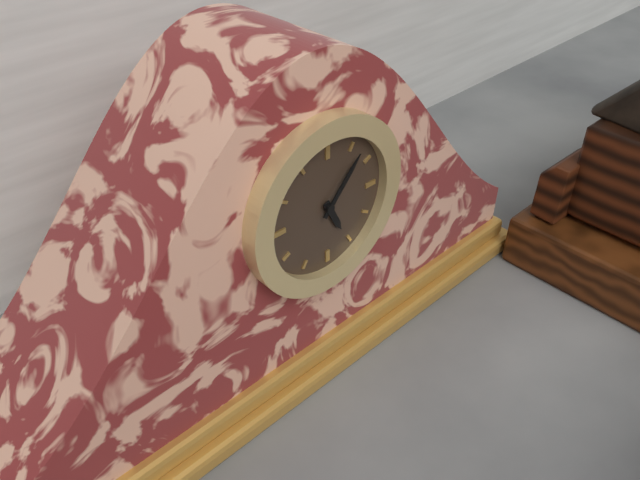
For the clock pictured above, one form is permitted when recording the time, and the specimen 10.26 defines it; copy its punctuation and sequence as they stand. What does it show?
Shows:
5.07
